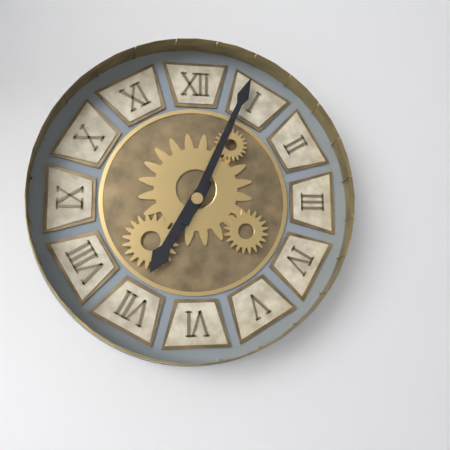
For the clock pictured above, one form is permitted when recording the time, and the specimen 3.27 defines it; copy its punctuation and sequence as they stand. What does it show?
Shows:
7.04
